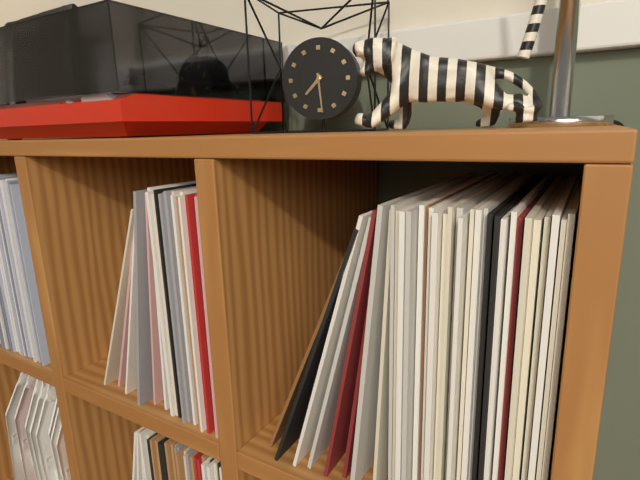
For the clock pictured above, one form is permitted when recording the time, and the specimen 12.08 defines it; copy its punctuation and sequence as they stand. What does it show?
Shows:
7.29
